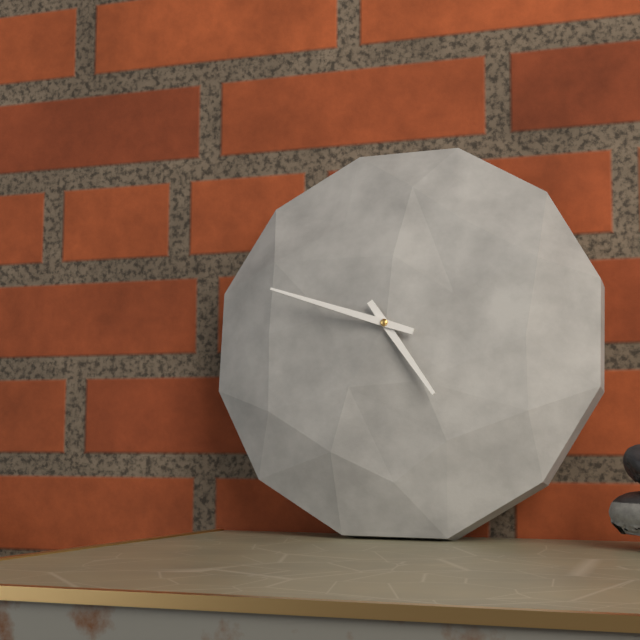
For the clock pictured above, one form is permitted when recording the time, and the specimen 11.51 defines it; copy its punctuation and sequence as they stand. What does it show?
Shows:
4.48
